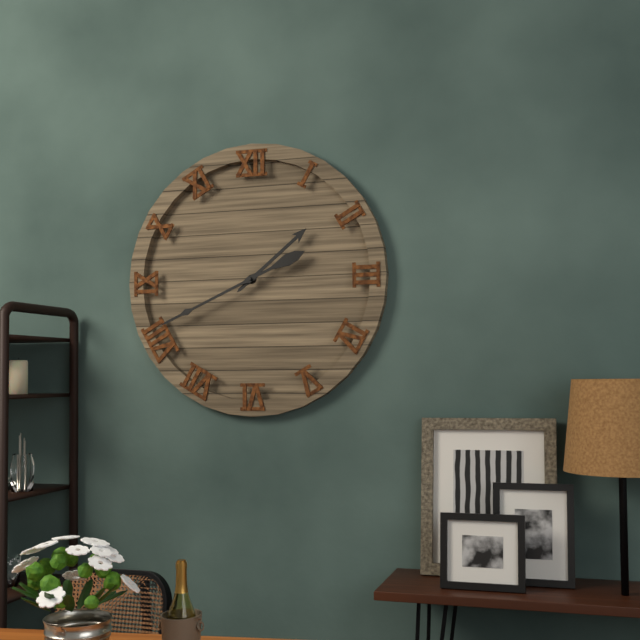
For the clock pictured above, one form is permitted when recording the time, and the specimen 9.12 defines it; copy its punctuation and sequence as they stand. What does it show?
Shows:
1.41
